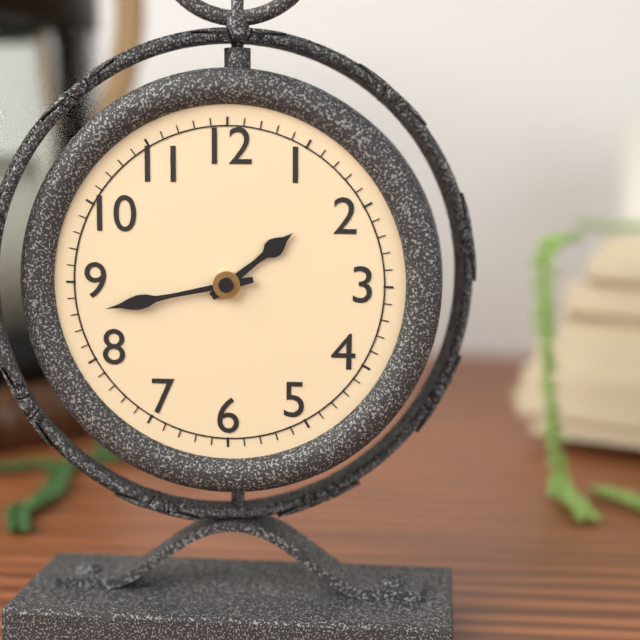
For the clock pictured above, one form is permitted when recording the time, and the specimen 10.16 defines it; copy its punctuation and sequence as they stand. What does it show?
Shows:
1.43
